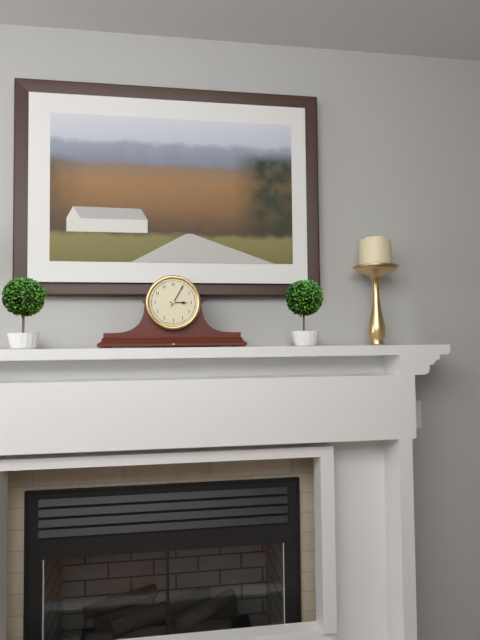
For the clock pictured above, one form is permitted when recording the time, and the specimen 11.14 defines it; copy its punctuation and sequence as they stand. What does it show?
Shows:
3.05
